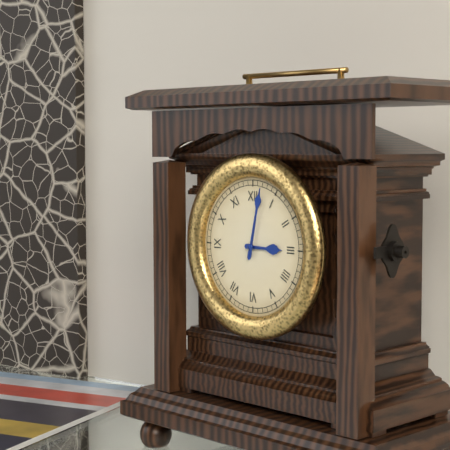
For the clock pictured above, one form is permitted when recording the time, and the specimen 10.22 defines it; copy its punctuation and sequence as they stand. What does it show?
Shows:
3.02
